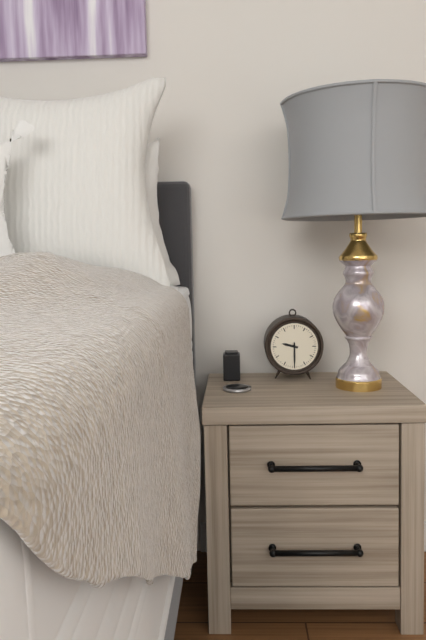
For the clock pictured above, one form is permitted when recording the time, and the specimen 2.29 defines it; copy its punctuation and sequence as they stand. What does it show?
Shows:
9.30
